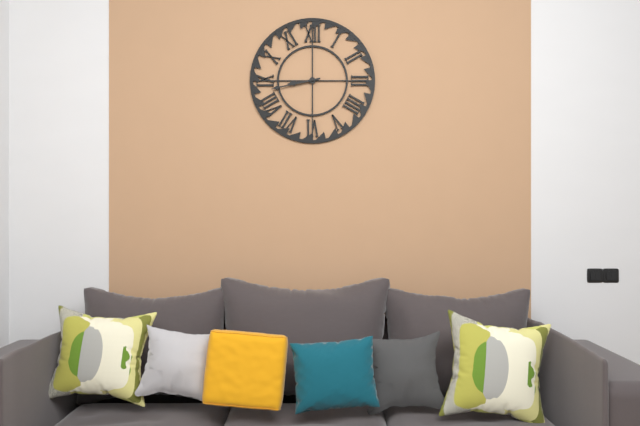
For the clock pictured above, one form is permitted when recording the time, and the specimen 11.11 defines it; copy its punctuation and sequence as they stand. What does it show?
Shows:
8.43
